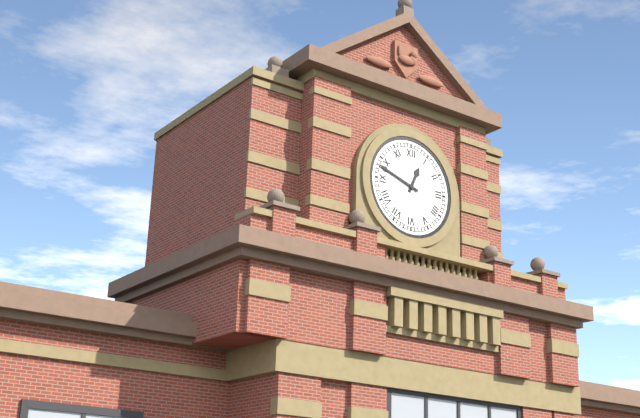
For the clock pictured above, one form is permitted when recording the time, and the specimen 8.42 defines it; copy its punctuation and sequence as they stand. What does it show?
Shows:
12.48
